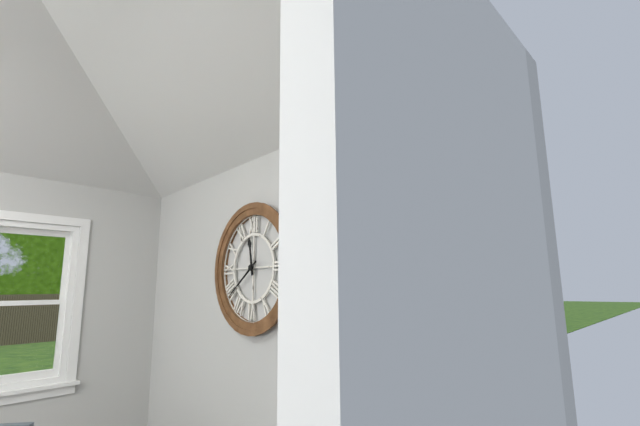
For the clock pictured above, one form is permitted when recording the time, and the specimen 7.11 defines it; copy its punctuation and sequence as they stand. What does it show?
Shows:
11.39
